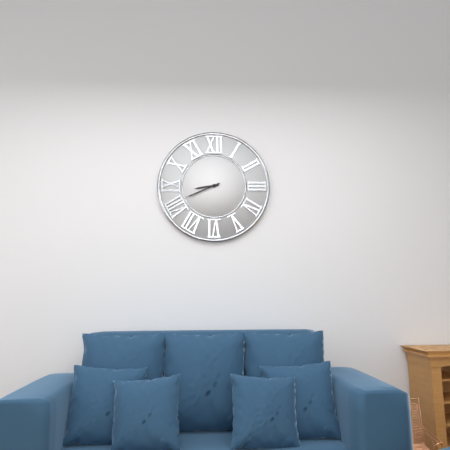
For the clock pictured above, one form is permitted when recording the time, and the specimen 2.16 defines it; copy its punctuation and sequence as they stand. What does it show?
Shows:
8.41
